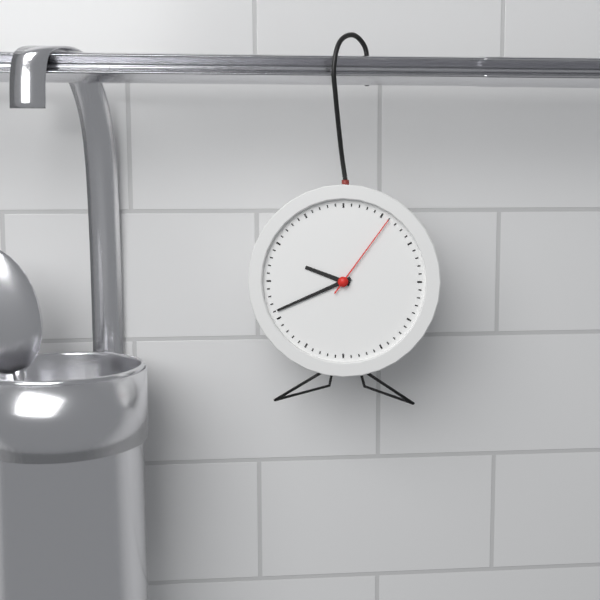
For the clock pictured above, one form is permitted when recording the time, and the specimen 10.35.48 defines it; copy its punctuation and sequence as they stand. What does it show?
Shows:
9.41.06
